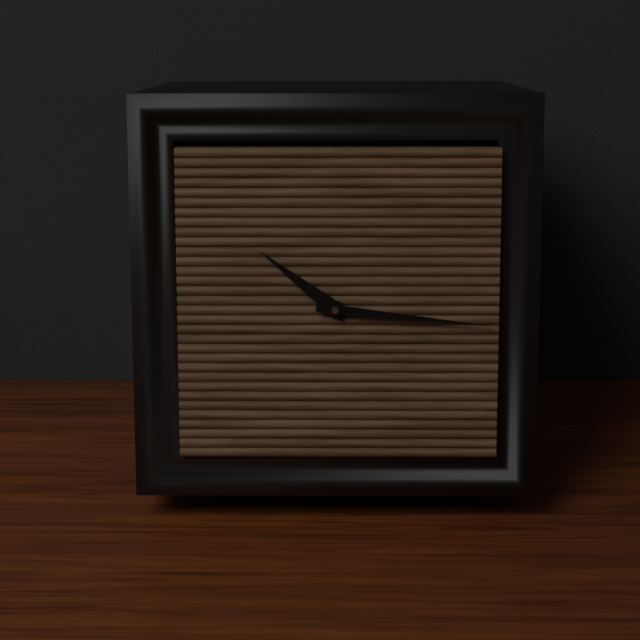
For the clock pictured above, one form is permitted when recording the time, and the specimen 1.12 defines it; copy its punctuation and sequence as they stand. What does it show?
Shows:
10.16
